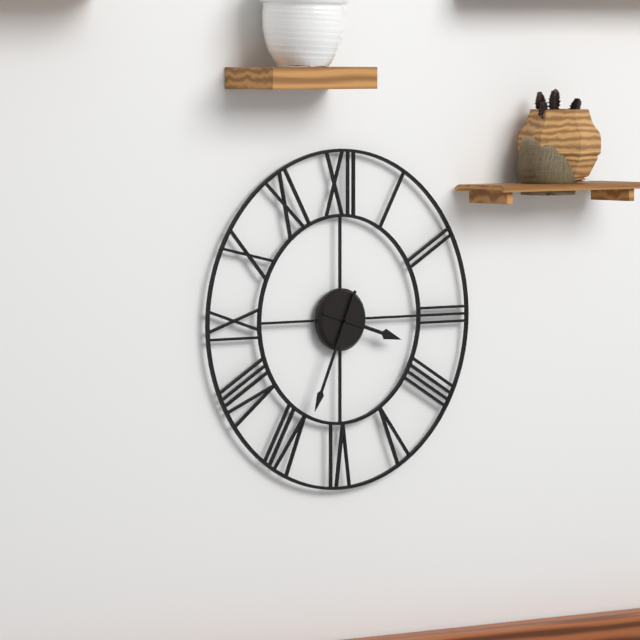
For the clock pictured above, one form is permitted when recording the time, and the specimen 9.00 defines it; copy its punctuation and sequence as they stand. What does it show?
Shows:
3.34
